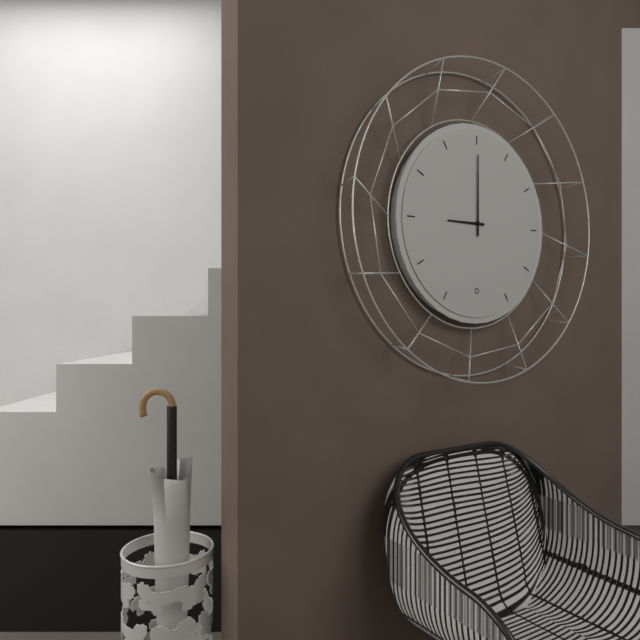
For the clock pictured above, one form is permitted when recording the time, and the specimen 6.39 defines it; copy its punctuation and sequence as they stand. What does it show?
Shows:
9.00
